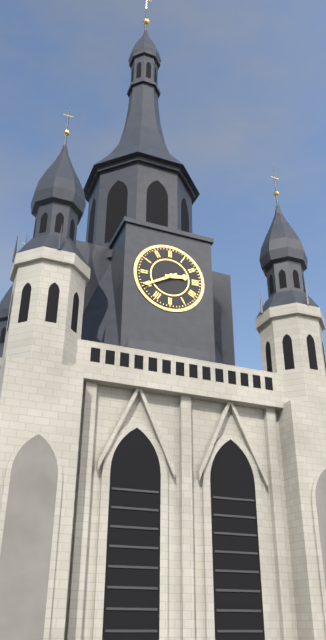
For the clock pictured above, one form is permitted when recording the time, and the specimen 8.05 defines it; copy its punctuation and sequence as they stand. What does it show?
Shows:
2.40
